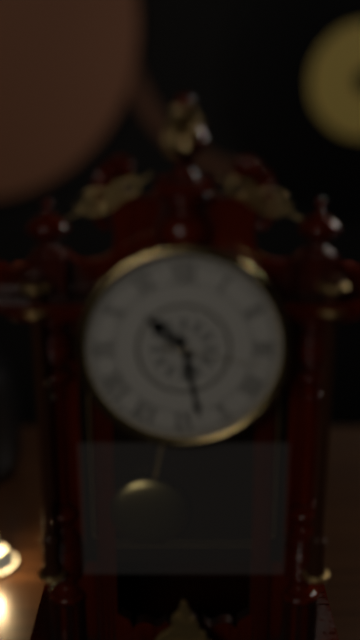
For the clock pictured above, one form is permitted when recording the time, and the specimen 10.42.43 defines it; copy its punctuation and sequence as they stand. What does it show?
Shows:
10.28.17
